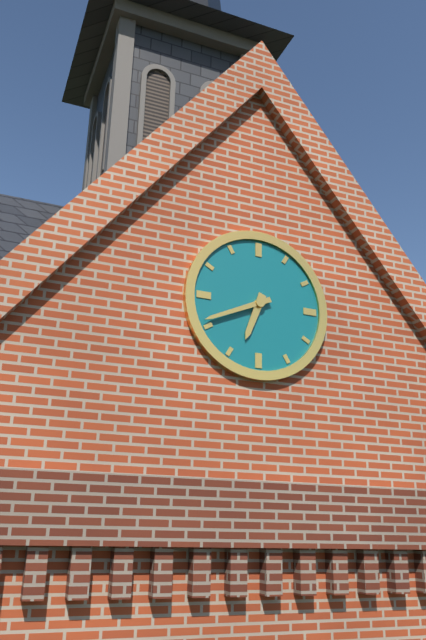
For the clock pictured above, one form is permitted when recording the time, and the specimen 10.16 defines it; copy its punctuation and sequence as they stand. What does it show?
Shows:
6.41
